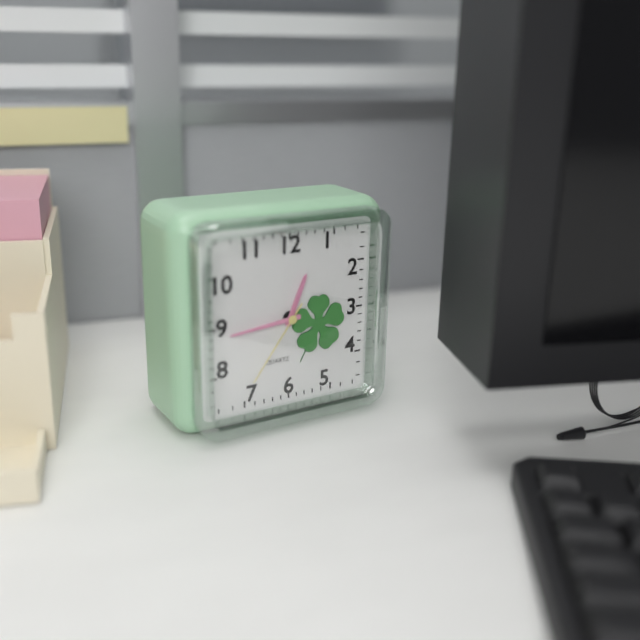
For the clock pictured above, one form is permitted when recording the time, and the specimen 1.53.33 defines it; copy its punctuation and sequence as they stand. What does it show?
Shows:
12.44.36
